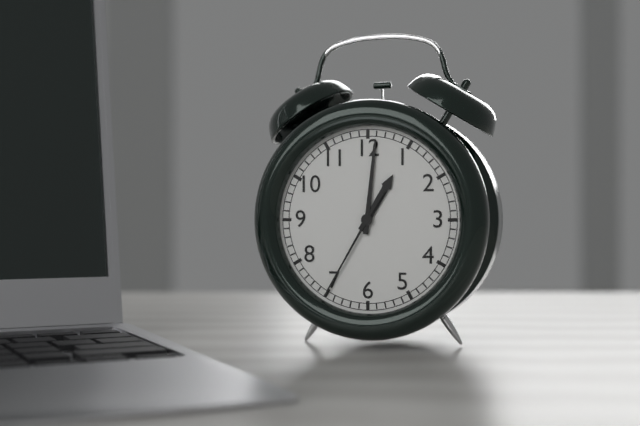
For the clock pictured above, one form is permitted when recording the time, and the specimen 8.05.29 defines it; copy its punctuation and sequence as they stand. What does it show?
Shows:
1.01.35
